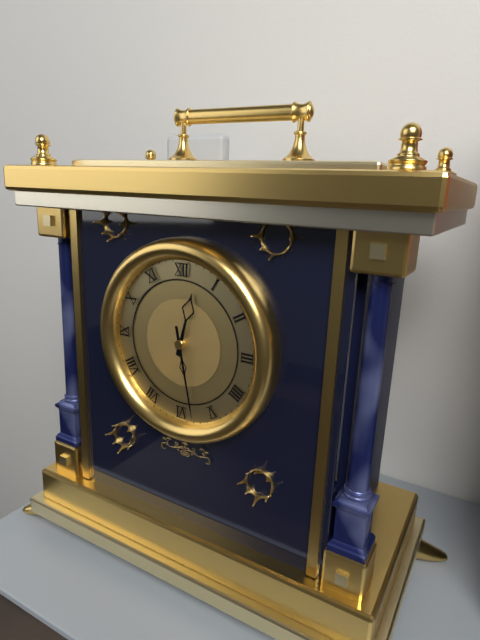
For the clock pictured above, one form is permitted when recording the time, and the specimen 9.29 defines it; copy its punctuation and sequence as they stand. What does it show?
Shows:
12.28
